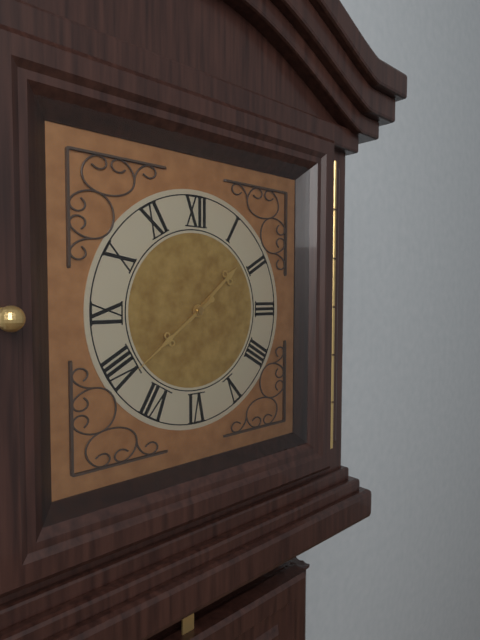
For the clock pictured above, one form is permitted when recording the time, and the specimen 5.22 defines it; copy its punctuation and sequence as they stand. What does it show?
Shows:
1.39
